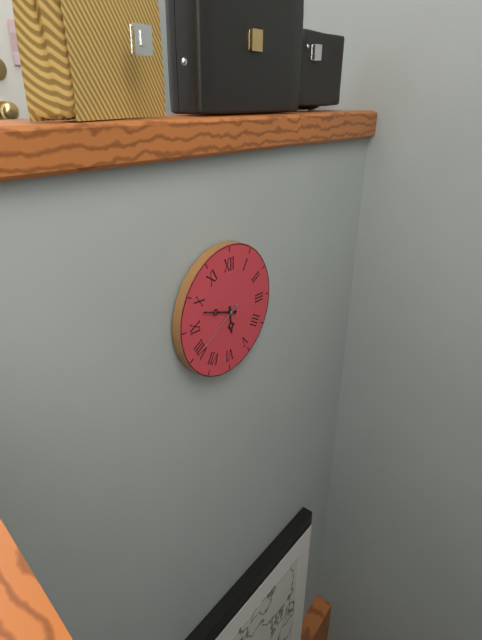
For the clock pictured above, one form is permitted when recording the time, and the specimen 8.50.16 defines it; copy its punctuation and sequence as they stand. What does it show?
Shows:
5.48.40
